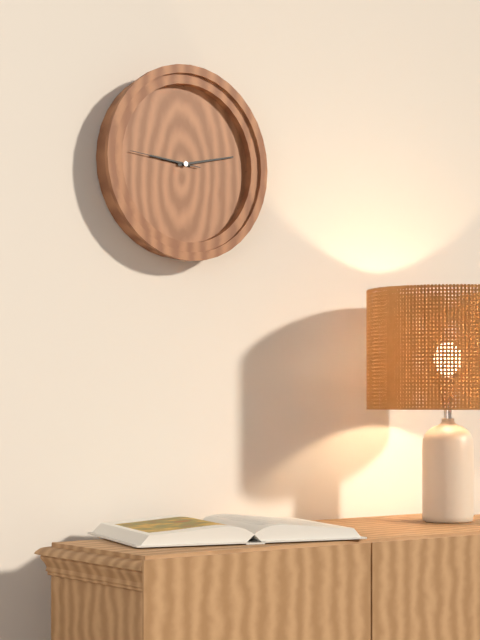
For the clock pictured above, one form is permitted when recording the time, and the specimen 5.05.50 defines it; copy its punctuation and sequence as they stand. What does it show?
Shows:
9.13.46
